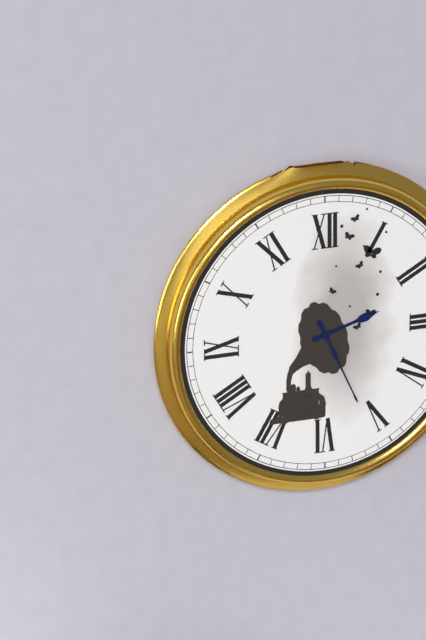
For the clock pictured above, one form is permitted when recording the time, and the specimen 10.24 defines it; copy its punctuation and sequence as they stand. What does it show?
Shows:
2.26
